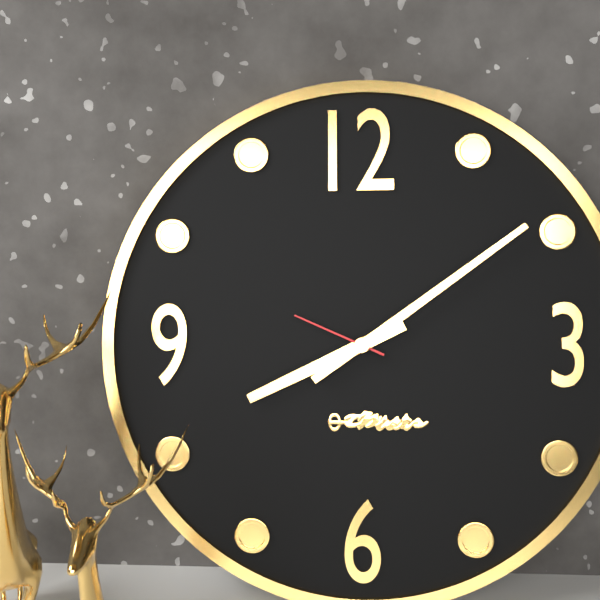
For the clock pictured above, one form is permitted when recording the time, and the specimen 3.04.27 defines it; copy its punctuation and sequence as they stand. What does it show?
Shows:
8.09.49
